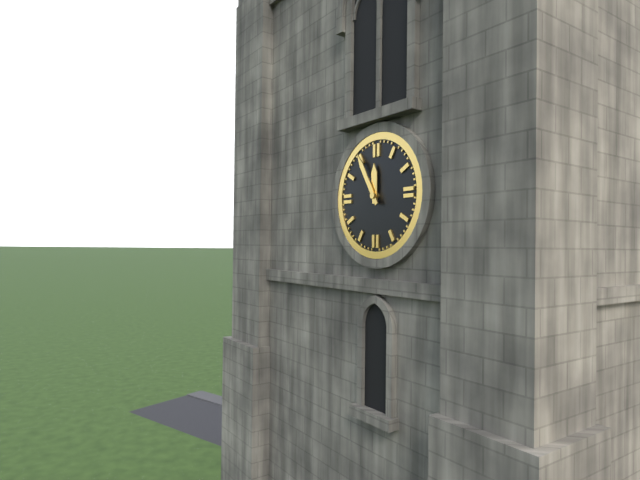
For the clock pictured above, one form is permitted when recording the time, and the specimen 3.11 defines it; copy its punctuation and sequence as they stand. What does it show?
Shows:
11.55
